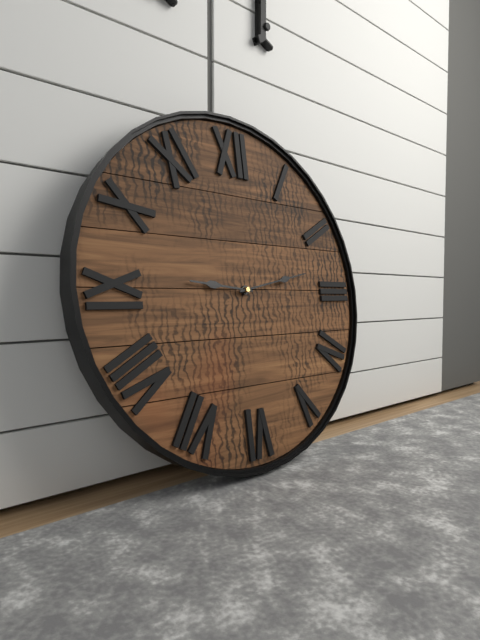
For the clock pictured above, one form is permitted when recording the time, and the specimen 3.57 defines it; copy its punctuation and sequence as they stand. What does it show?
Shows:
9.13
